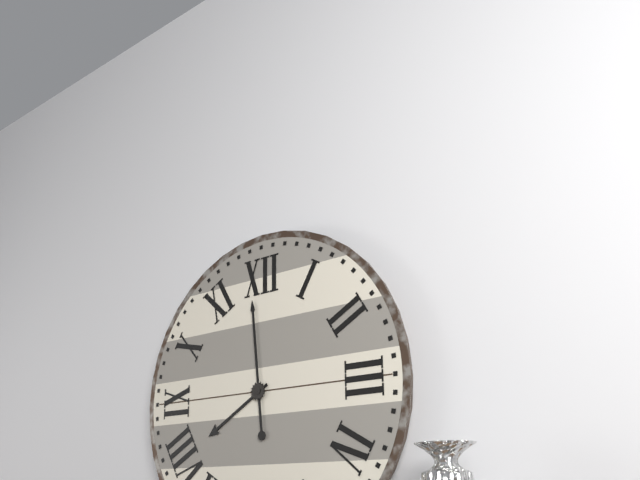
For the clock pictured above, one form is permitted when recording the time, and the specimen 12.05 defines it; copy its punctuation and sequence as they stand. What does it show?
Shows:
7.59
